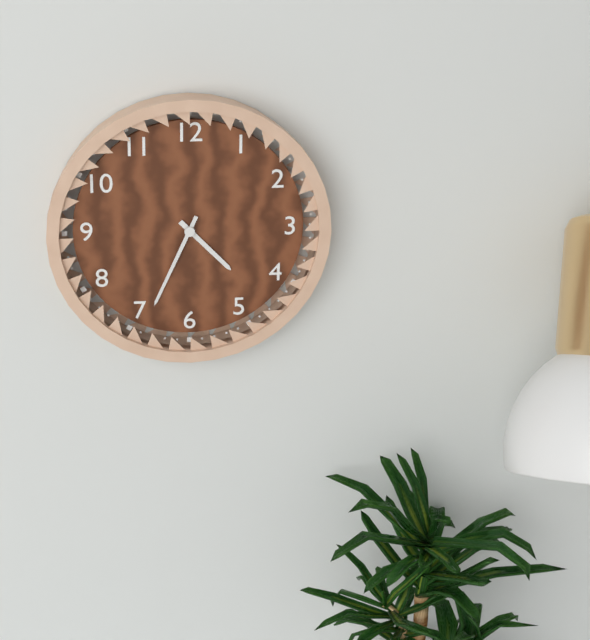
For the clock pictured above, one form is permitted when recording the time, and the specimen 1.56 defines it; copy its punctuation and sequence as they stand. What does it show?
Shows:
4.34
